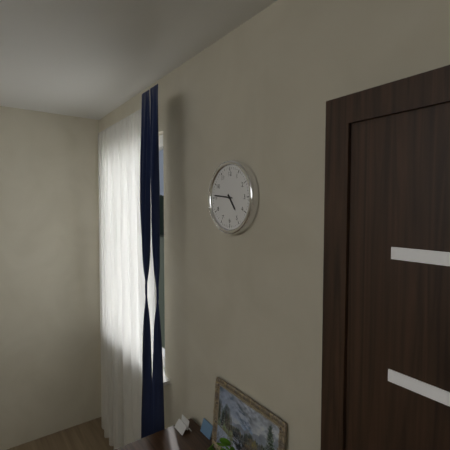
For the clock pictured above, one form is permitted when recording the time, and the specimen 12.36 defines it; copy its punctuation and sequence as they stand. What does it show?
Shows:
4.46
